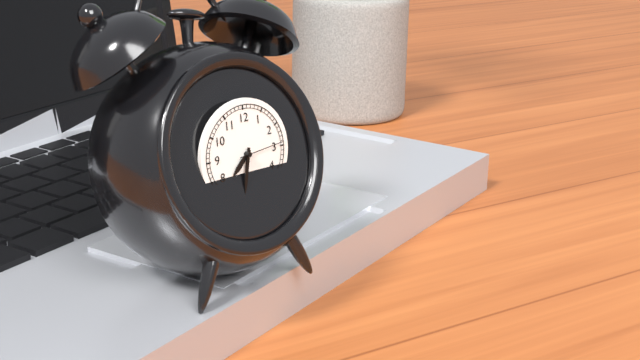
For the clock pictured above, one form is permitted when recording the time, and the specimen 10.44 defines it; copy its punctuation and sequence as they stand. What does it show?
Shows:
7.32
